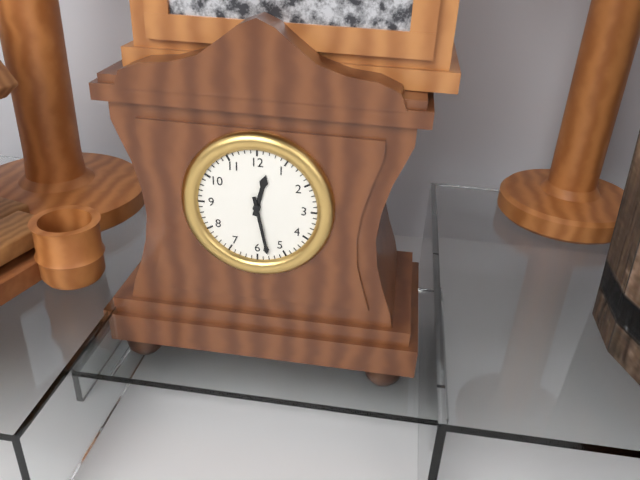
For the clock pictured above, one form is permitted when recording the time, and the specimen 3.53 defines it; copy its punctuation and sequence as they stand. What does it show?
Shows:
12.28
